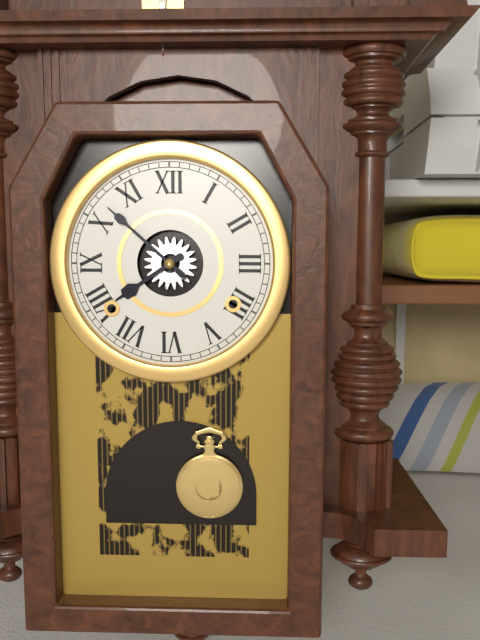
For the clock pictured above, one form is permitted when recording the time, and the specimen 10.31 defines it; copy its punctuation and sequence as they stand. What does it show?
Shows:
7.52
